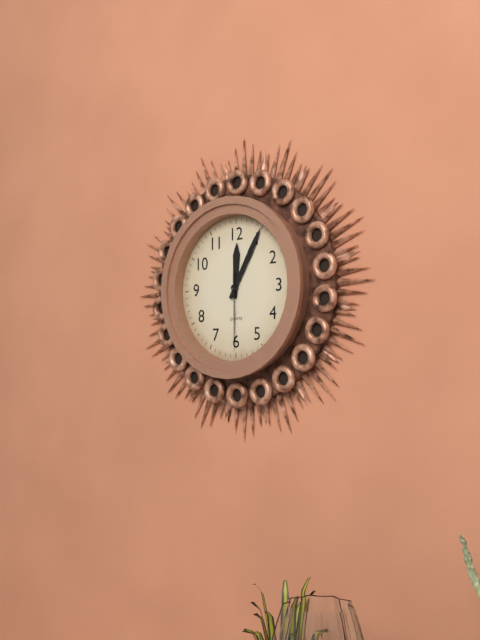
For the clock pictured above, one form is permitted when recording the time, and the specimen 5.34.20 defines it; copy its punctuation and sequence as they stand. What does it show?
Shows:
12.05.30
